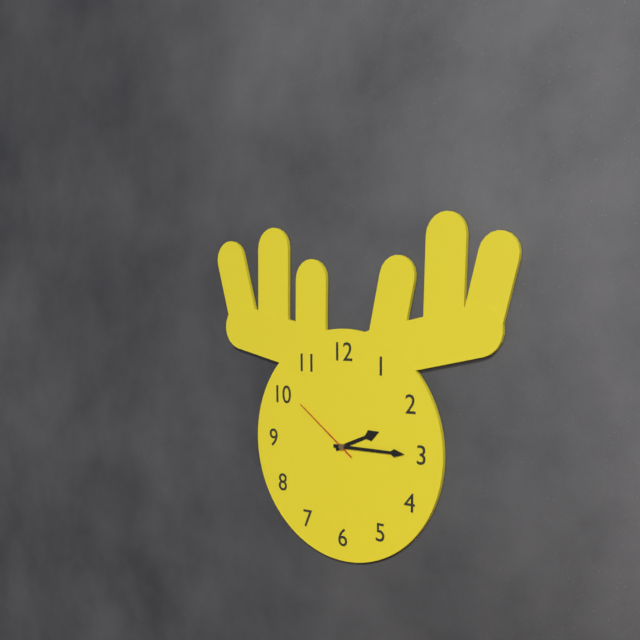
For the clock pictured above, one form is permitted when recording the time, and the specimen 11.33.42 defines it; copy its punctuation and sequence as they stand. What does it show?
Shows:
2.15.51
